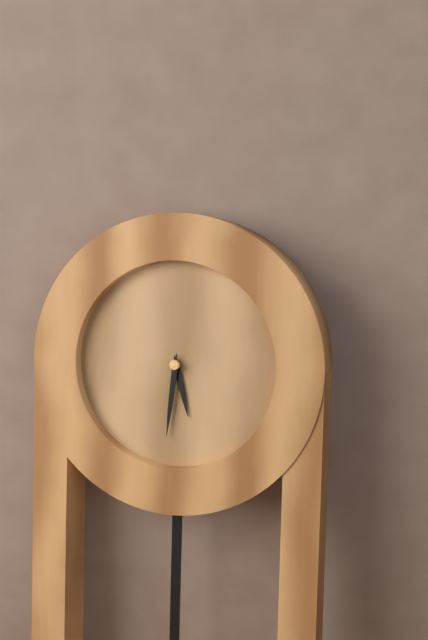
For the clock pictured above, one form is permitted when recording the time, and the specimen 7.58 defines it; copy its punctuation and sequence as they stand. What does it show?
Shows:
5.31
